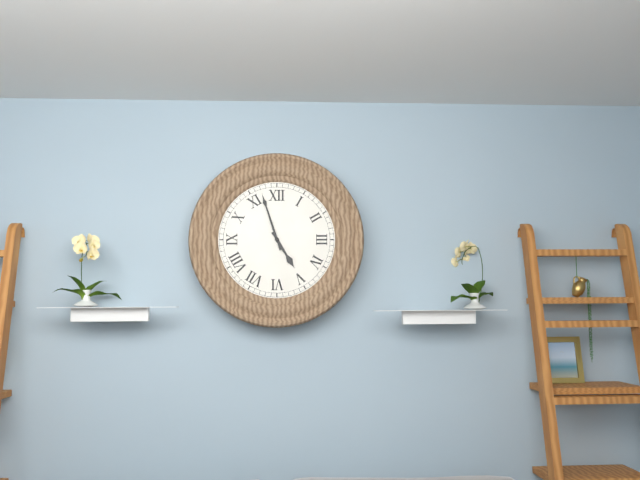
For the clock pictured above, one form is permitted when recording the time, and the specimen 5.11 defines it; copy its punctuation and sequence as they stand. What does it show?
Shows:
4.57
